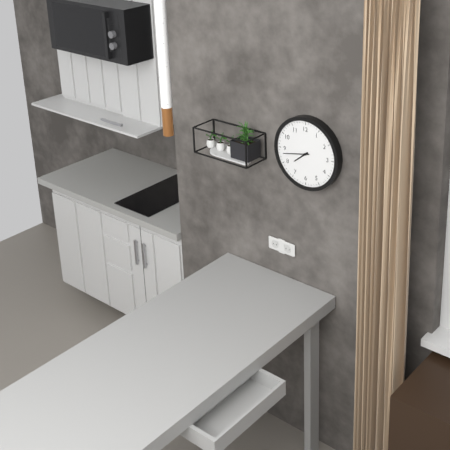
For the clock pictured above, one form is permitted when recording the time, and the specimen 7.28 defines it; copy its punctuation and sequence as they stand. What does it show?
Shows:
7.43
